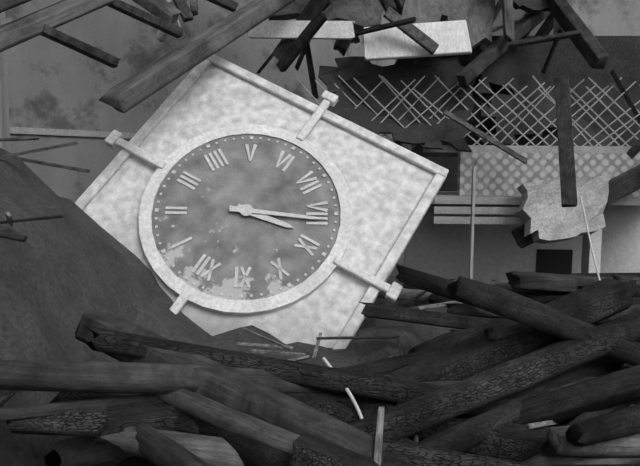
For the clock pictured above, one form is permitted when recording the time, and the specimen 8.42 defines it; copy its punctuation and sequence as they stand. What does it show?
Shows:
8.41
